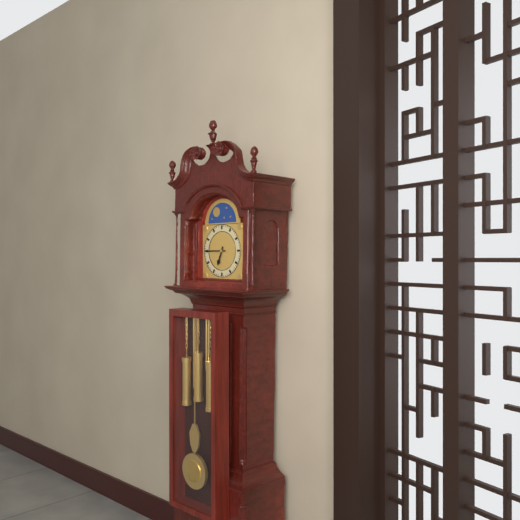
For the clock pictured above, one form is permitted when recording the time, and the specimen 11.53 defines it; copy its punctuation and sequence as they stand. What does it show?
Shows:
6.45
